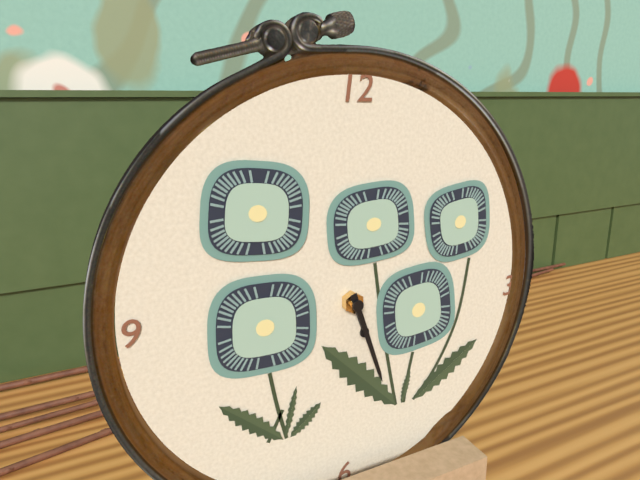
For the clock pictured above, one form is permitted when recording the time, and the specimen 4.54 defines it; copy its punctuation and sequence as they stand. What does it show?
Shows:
5.27
